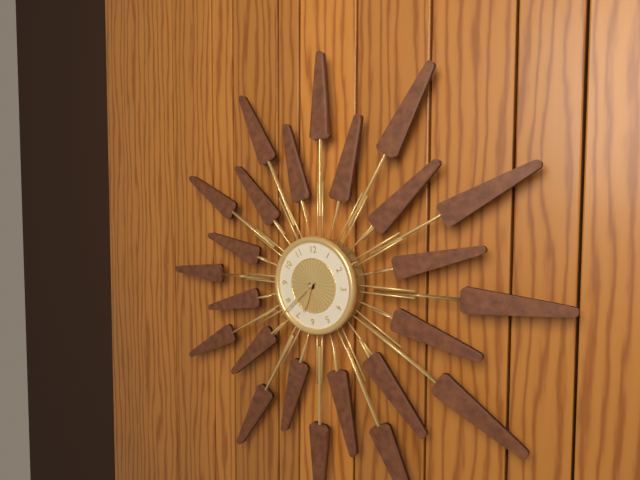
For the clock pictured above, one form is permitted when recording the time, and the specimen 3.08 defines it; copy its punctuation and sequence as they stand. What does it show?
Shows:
6.38
